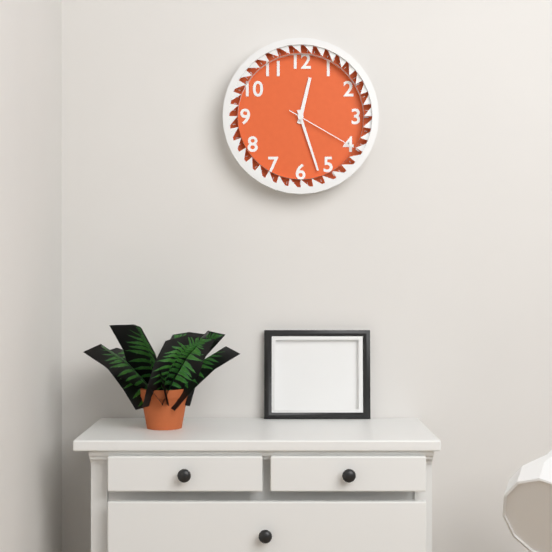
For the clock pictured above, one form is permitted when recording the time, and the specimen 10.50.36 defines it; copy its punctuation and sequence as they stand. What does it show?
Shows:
12.27.20
